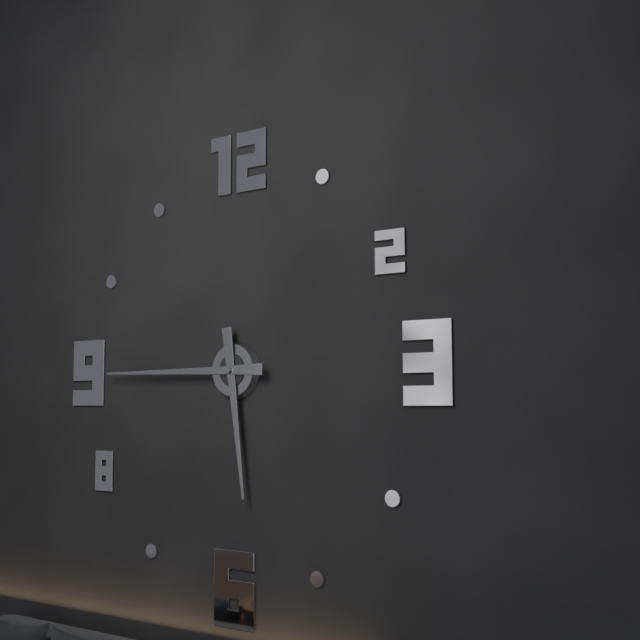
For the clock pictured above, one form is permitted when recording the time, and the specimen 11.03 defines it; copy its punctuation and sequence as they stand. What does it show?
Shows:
5.45
